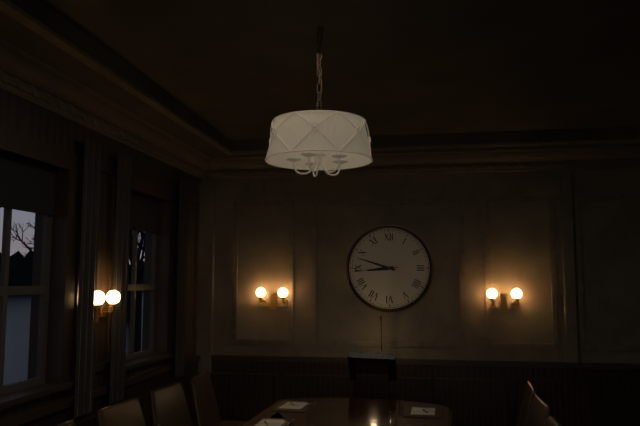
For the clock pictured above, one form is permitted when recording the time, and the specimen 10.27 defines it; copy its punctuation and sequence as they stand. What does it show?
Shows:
8.48
